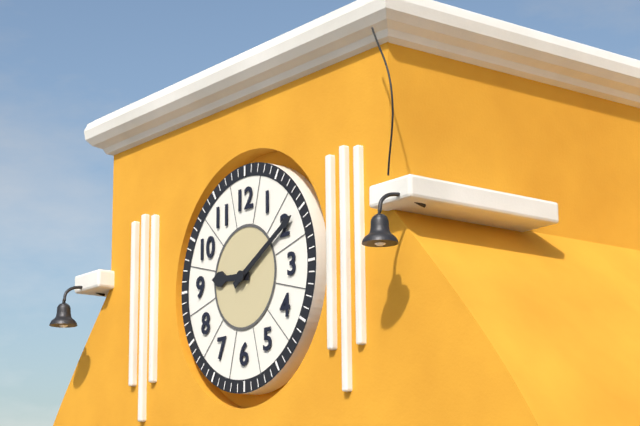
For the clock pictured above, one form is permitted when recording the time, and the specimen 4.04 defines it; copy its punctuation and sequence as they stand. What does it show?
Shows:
9.10
